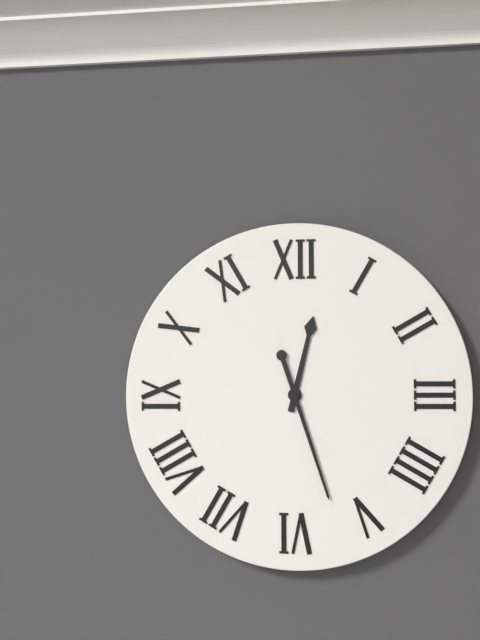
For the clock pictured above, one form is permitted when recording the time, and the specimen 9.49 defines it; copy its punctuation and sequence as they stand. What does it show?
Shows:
12.27
